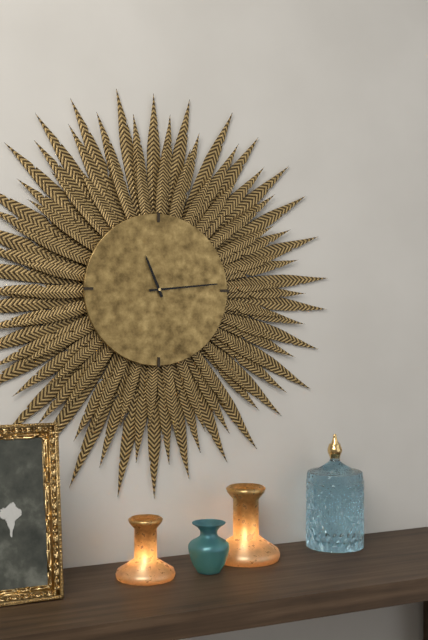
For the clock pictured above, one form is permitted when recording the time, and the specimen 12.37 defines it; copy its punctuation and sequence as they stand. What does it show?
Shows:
11.14
